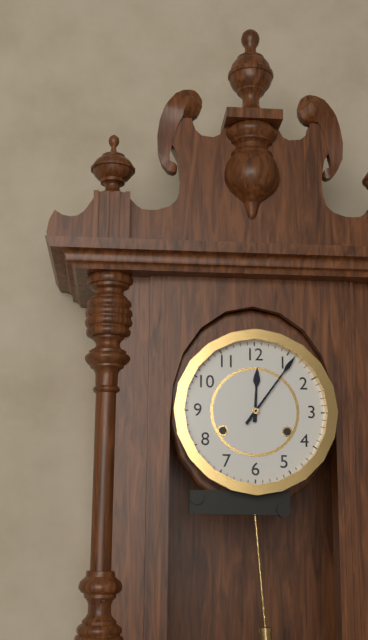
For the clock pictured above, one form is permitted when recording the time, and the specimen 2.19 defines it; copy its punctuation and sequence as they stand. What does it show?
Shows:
12.06
